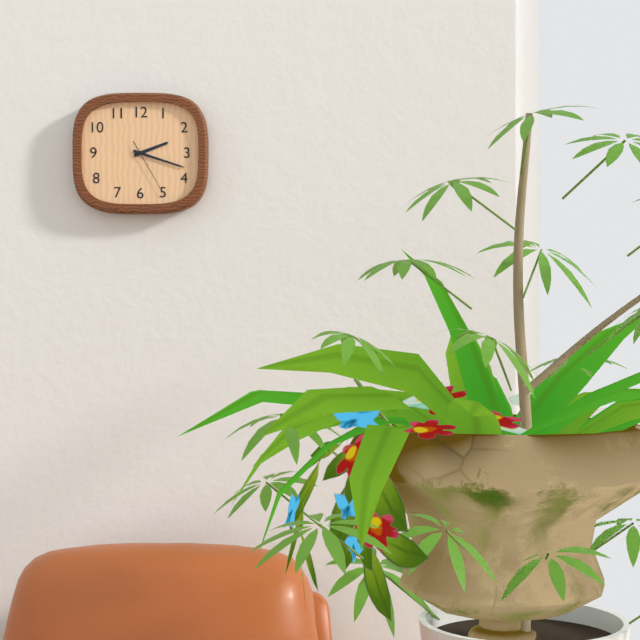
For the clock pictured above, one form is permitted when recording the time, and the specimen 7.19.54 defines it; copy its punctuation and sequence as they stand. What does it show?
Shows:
2.18.25
